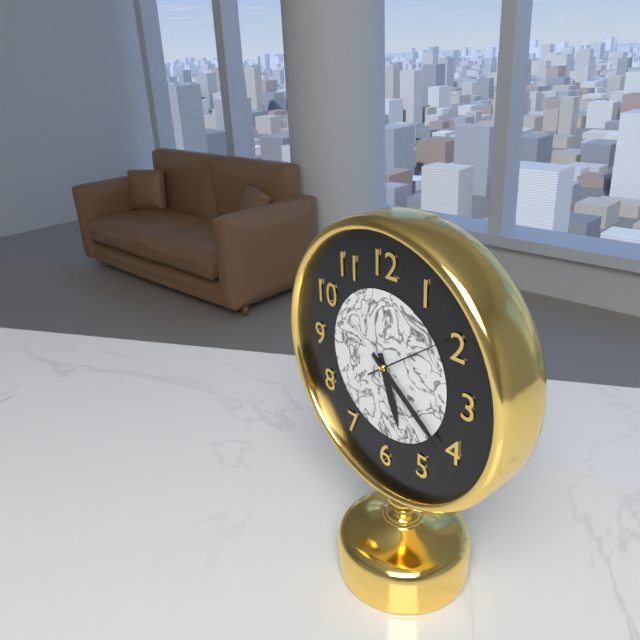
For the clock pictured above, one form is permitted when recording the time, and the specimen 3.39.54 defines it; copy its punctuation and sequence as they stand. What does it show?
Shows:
5.21.09
